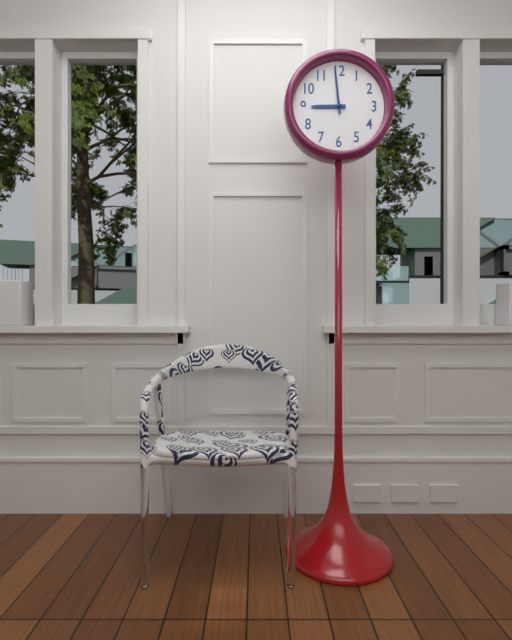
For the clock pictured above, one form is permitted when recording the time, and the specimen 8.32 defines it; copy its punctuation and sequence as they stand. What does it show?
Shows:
8.59
